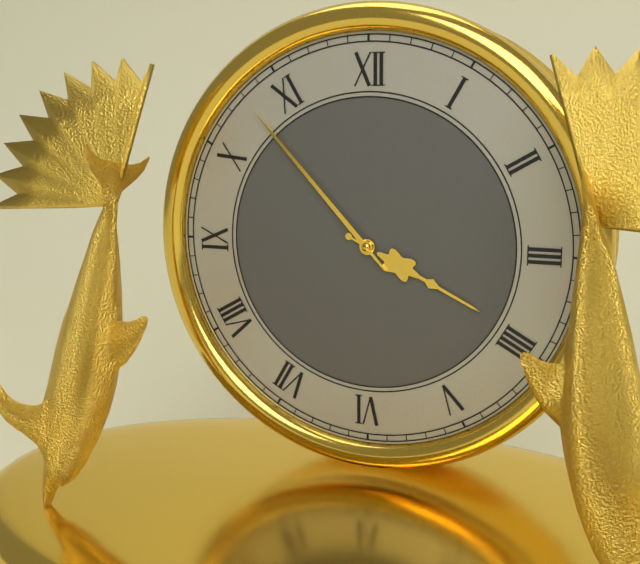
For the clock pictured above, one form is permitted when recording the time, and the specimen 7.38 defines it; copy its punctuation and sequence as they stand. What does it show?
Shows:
3.53
